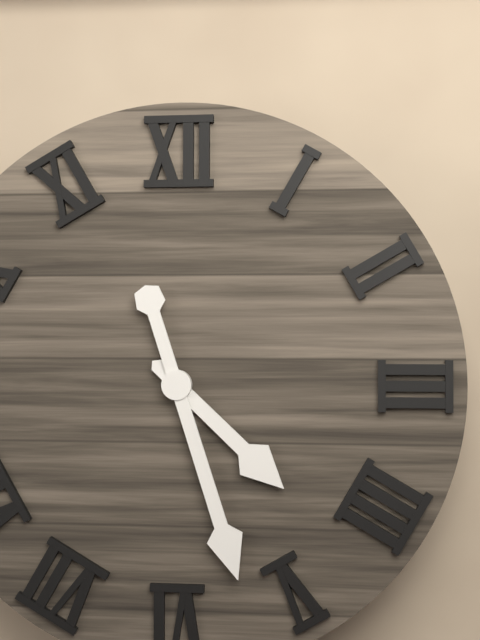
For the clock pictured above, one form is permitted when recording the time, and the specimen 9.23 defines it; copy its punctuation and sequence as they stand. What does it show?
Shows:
4.27
